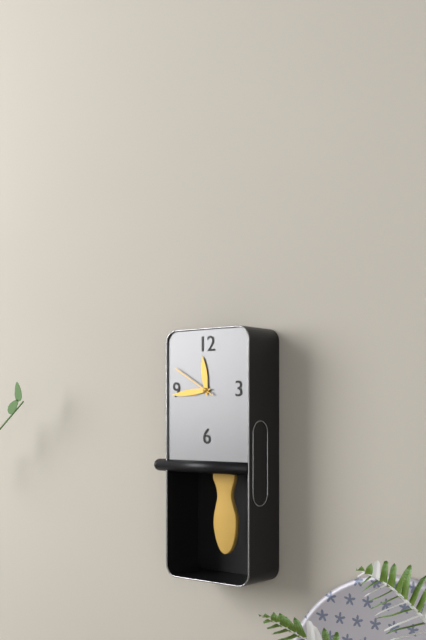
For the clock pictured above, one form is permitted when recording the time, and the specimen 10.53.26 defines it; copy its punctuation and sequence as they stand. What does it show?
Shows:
11.44.50
